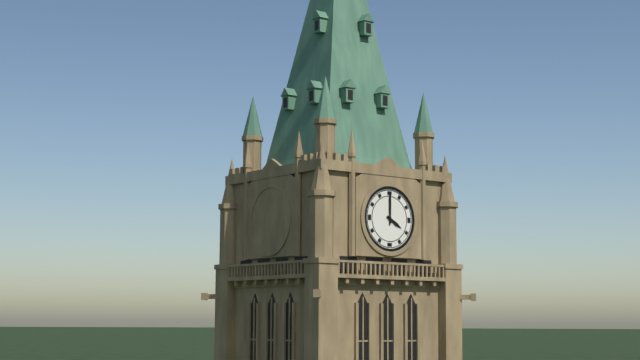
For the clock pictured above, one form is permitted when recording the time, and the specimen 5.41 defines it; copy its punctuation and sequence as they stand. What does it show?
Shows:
4.00
